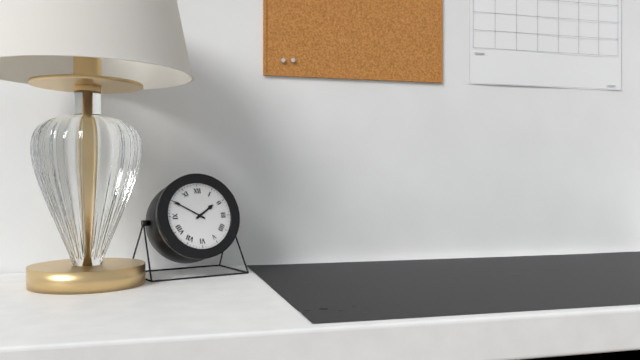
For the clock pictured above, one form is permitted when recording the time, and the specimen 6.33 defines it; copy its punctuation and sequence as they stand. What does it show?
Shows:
1.50
